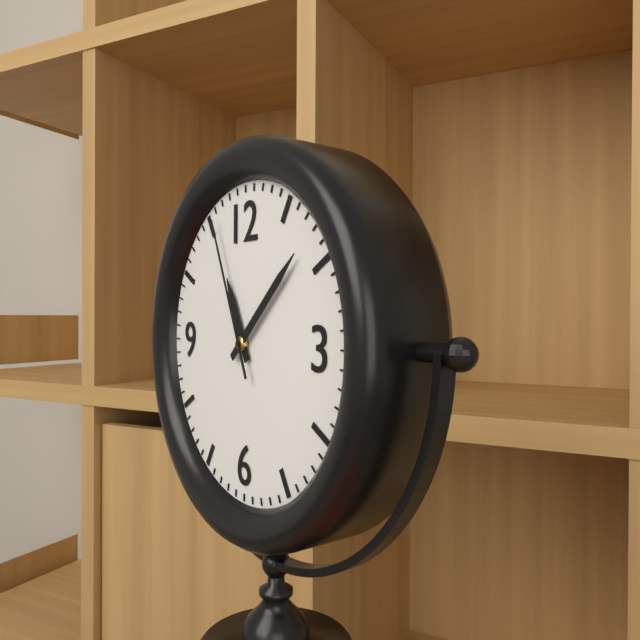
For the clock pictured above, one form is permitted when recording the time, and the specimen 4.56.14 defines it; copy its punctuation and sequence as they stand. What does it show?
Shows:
11.08.56
